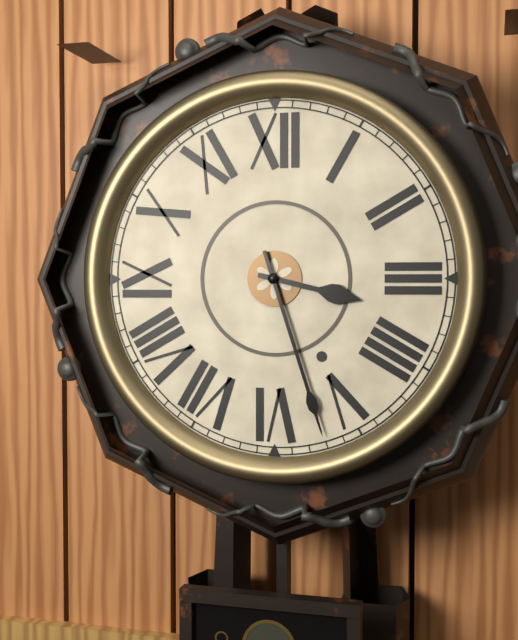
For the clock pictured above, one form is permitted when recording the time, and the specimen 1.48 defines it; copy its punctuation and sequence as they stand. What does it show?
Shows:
3.27
